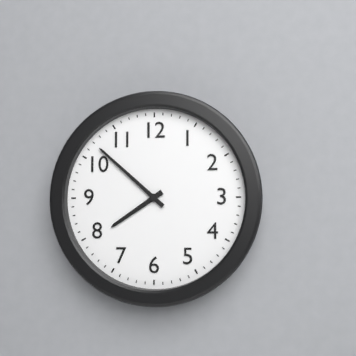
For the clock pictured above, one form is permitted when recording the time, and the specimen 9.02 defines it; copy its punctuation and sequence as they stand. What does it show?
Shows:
7.52
